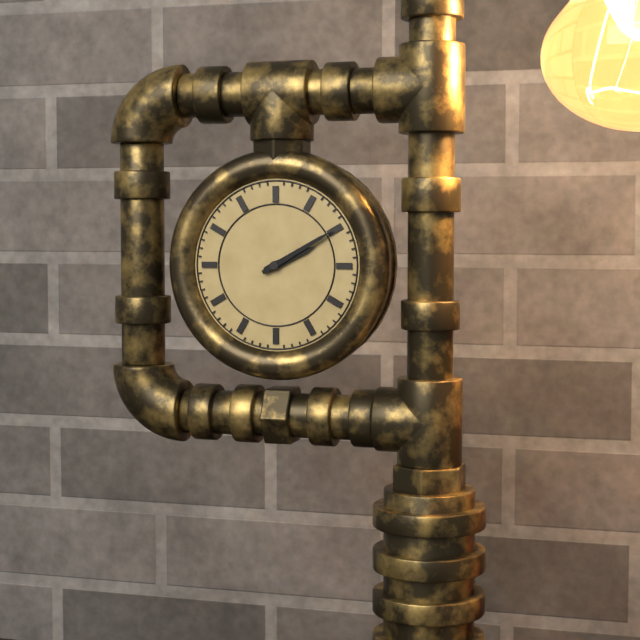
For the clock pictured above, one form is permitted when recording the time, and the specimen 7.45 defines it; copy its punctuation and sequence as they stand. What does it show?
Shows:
2.10
